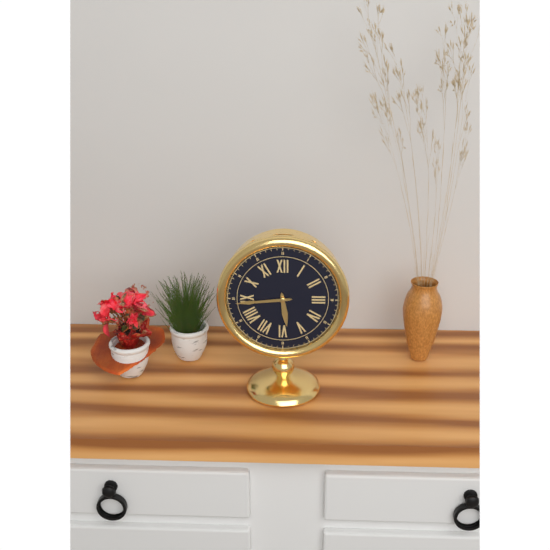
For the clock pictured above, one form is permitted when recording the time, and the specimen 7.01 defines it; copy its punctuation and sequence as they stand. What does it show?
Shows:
5.44
